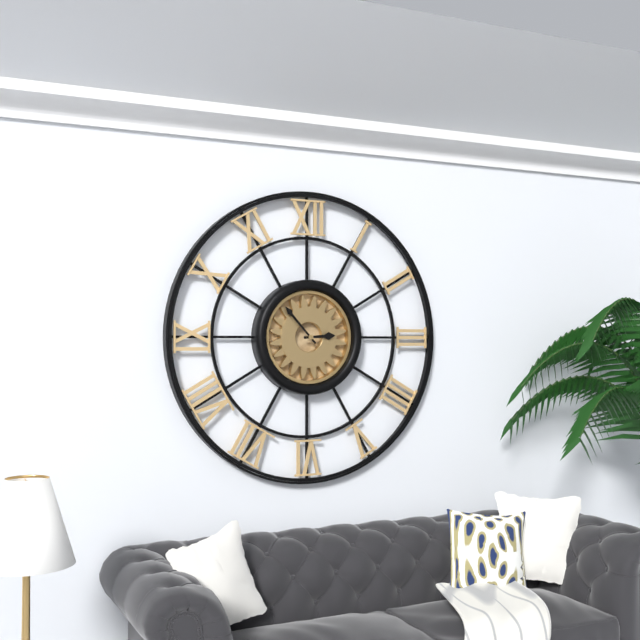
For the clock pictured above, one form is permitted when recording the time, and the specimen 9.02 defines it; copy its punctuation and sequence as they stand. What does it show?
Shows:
2.53
